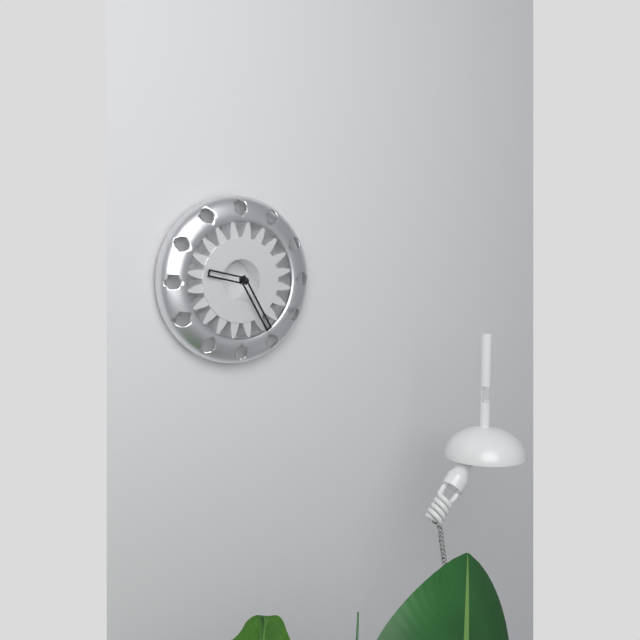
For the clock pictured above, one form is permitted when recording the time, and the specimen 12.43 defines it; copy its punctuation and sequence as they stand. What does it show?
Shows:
9.25
